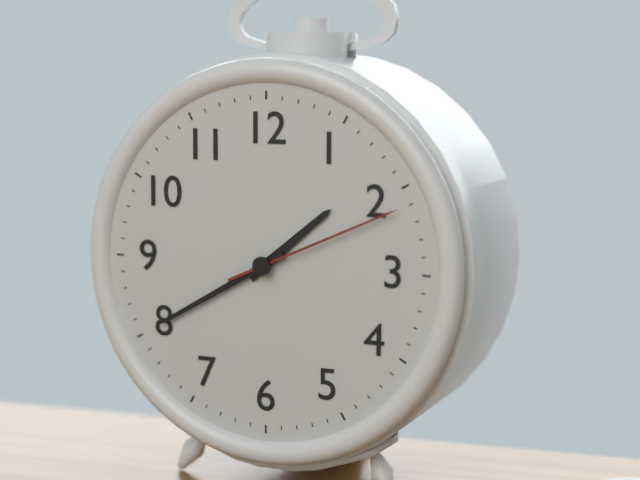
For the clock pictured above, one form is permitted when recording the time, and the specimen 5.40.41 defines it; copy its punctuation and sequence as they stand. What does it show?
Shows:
1.40.11
